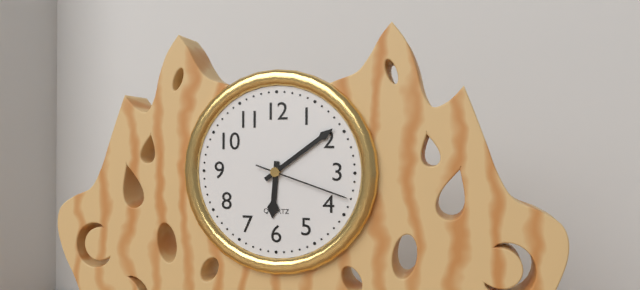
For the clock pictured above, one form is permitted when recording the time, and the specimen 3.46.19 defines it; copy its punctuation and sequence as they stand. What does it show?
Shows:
6.09.18
